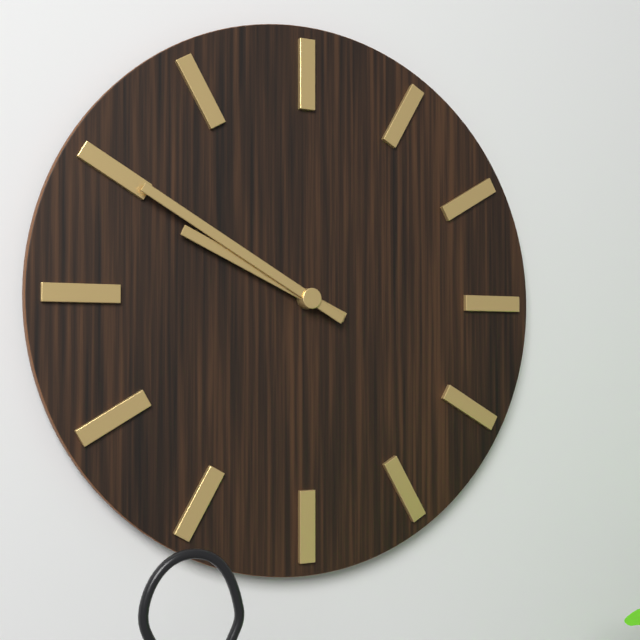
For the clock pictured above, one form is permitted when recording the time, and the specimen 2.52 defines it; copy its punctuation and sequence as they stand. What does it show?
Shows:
9.50
